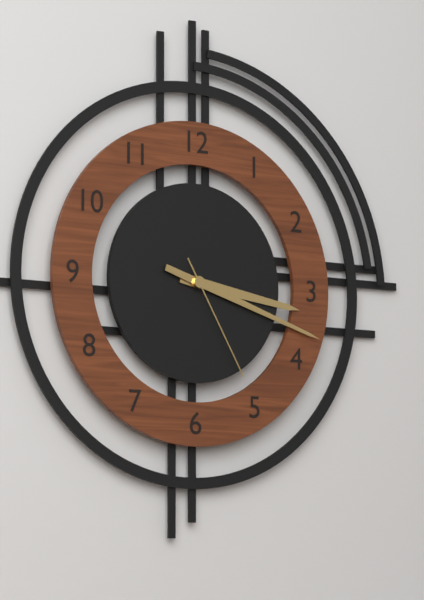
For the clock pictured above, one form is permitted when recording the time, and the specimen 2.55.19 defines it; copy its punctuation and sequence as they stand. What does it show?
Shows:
3.18.25
